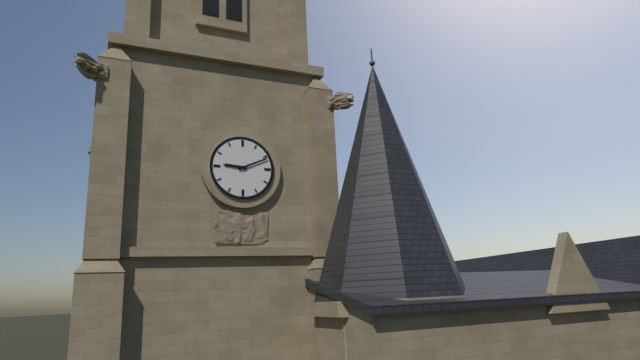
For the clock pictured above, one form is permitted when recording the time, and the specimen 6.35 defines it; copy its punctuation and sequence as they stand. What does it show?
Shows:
9.11
